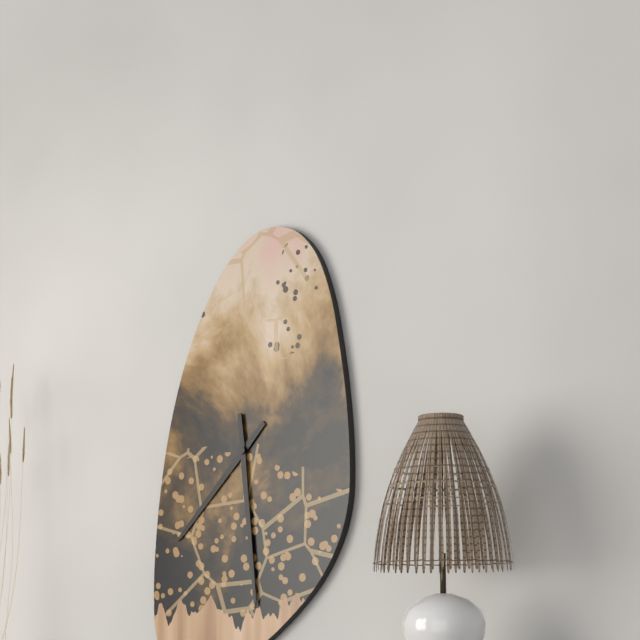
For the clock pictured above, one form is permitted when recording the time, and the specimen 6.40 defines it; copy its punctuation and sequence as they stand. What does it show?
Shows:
7.29
